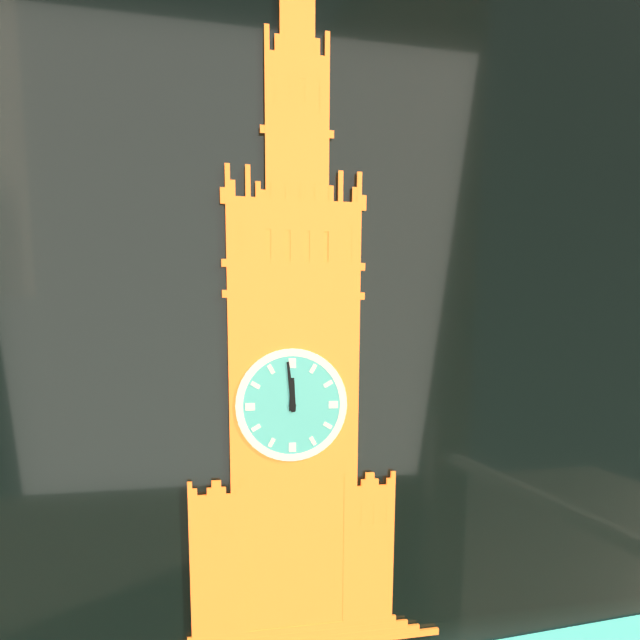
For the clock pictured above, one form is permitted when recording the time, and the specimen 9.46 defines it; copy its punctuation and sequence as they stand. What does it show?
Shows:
11.59
